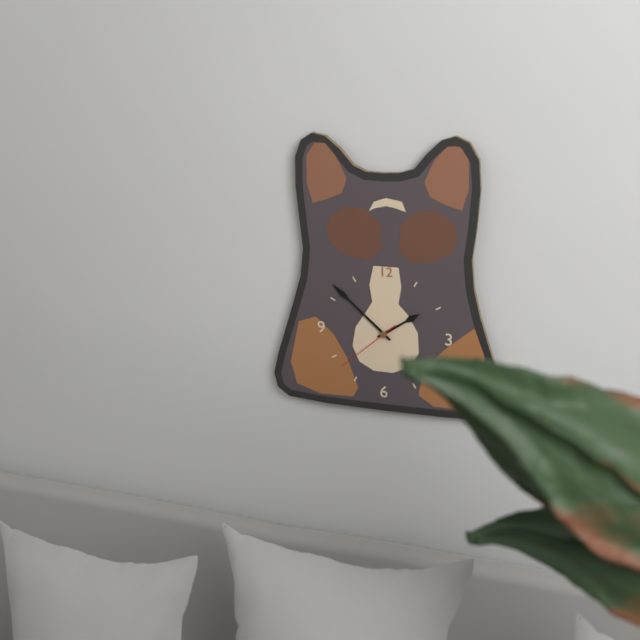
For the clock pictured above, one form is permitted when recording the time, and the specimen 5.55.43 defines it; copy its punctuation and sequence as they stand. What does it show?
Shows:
1.52.38
